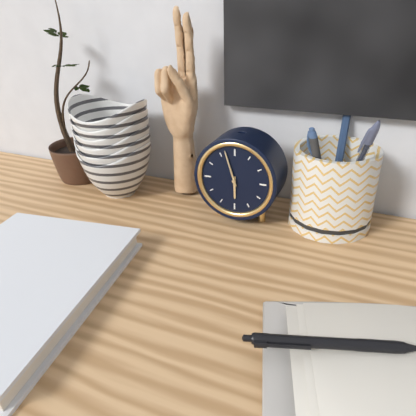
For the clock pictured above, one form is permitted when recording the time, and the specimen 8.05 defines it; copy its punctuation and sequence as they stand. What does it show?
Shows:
5.57
